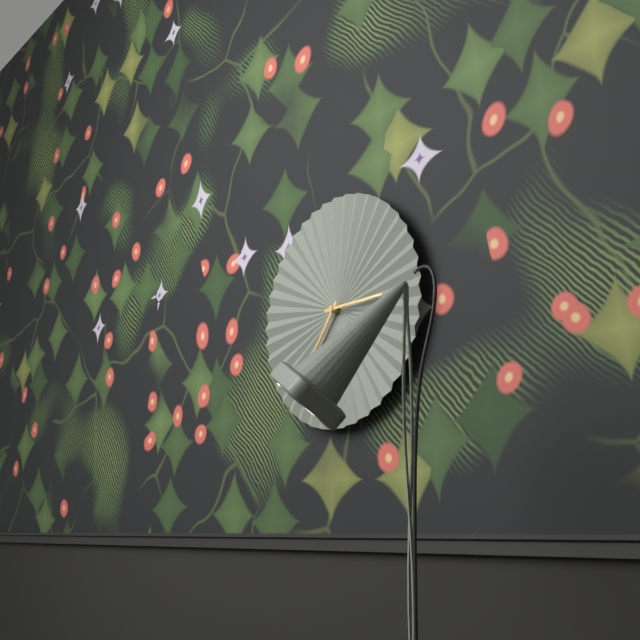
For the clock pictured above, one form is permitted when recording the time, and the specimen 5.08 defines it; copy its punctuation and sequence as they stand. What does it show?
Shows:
7.15
